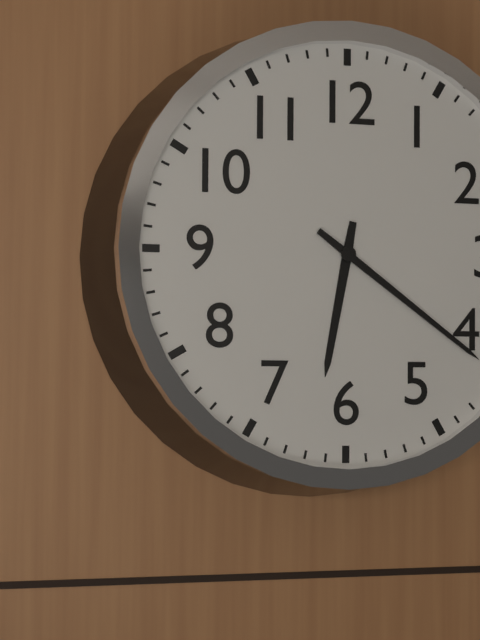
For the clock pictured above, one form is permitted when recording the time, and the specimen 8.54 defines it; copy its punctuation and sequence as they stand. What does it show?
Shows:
6.21
